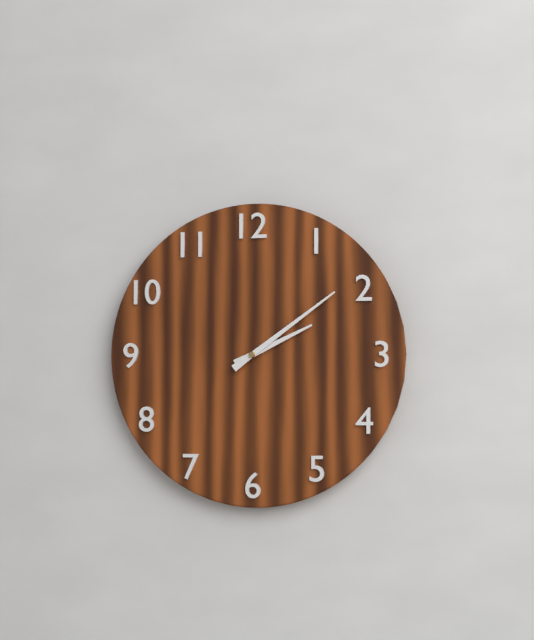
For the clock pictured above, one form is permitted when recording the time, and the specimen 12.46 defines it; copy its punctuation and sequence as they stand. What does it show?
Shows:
2.09
